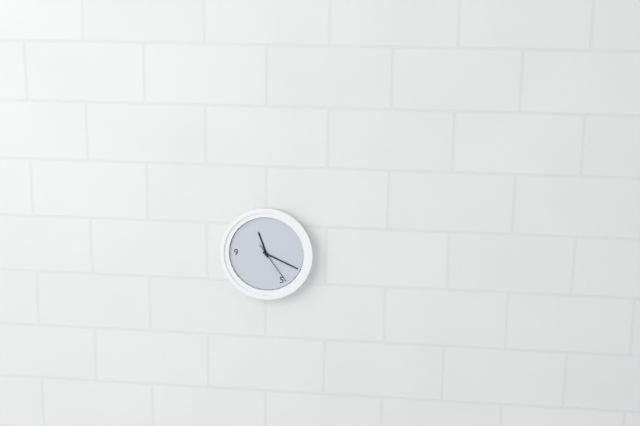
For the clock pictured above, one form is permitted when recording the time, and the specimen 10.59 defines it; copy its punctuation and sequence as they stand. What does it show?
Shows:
11.19
